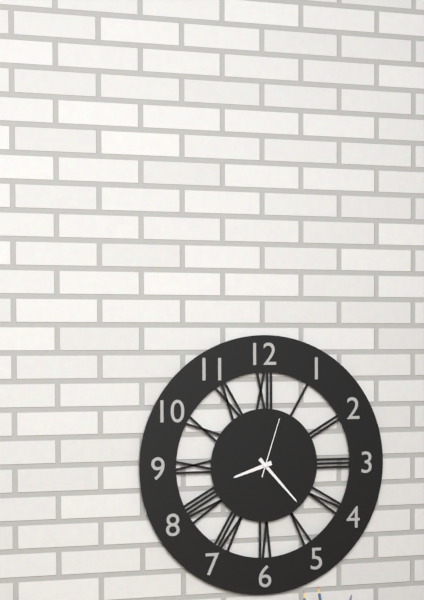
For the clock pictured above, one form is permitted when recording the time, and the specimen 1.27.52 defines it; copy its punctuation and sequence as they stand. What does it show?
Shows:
8.23.03
